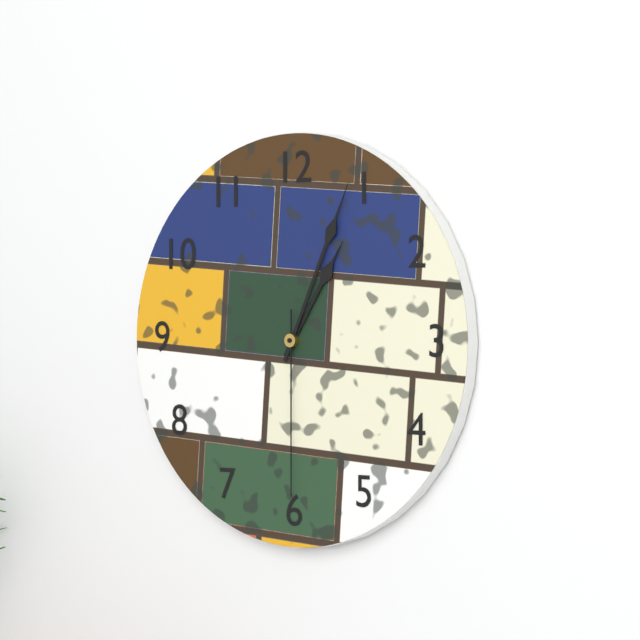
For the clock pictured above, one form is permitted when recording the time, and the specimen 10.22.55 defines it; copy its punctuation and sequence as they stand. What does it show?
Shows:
1.04.30
